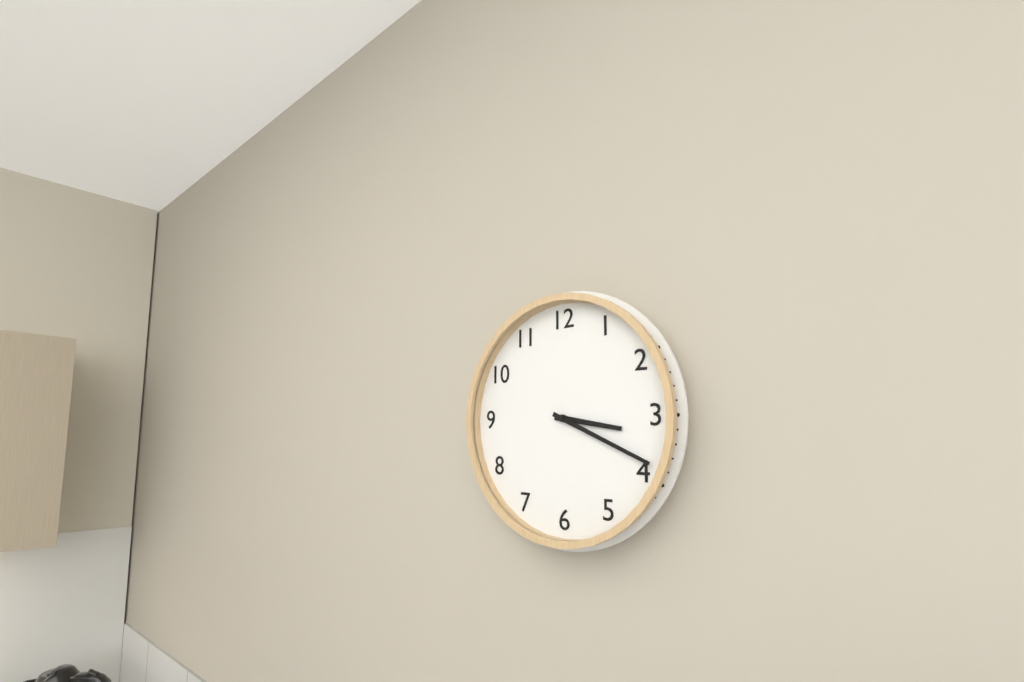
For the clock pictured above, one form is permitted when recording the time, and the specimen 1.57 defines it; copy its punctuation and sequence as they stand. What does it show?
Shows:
3.19
